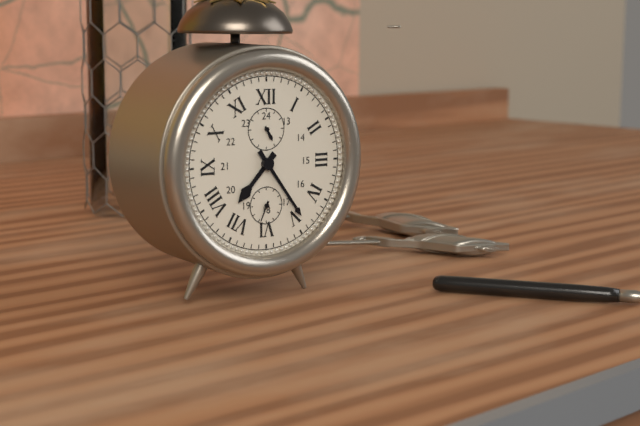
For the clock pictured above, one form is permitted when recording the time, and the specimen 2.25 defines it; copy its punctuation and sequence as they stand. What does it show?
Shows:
7.24
